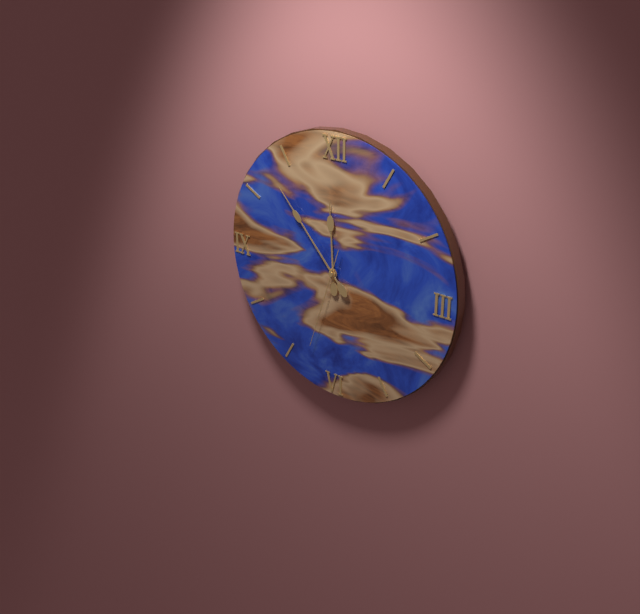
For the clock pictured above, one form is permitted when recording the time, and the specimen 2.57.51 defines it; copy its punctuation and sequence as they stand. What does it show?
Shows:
11.53.33
